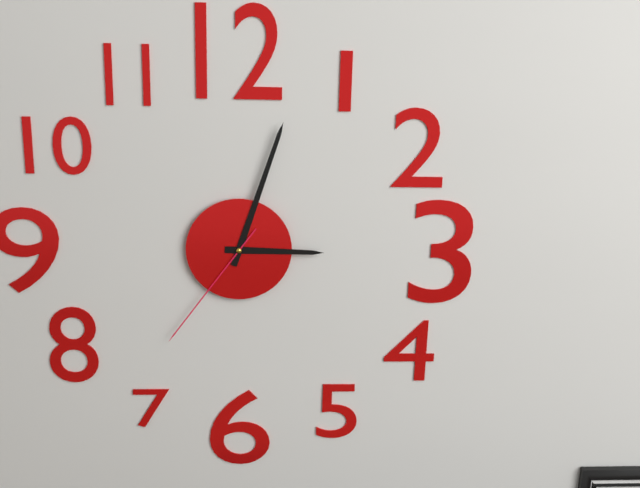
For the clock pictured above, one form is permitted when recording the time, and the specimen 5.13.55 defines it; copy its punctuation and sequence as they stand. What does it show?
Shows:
3.03.36
